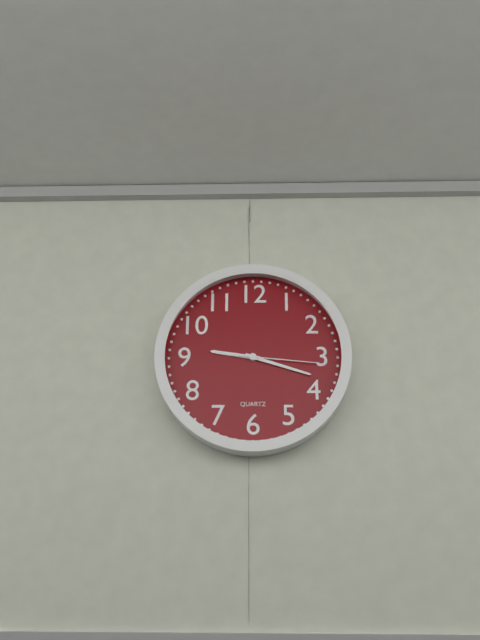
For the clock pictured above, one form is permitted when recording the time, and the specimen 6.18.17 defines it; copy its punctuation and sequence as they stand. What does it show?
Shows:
9.18.16
